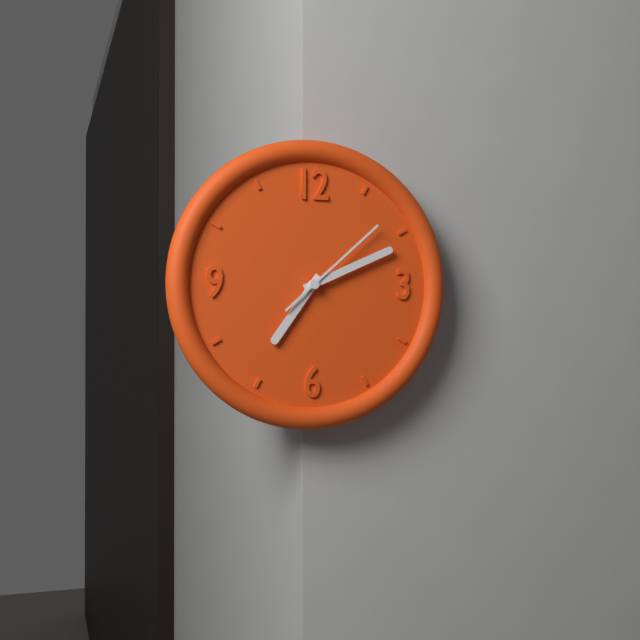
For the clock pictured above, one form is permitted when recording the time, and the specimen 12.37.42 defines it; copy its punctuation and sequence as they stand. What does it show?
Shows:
7.11.08
